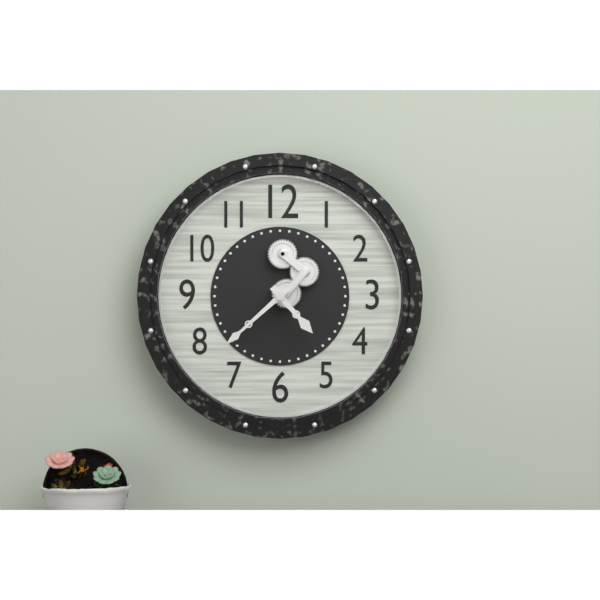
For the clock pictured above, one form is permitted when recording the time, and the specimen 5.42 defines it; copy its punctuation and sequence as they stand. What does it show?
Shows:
4.38
